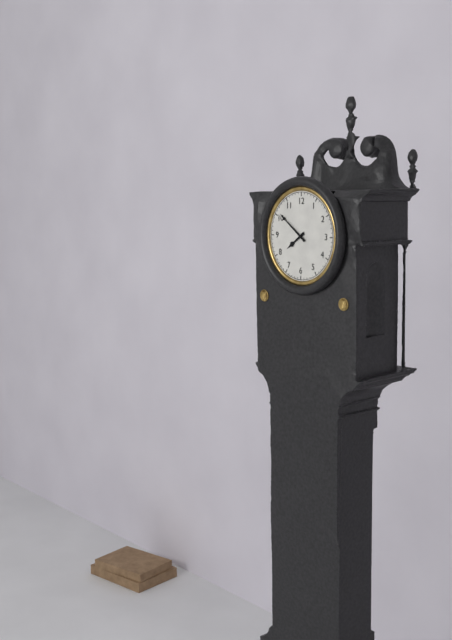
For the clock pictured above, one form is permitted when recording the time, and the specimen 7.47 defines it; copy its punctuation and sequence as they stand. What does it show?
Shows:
7.51
